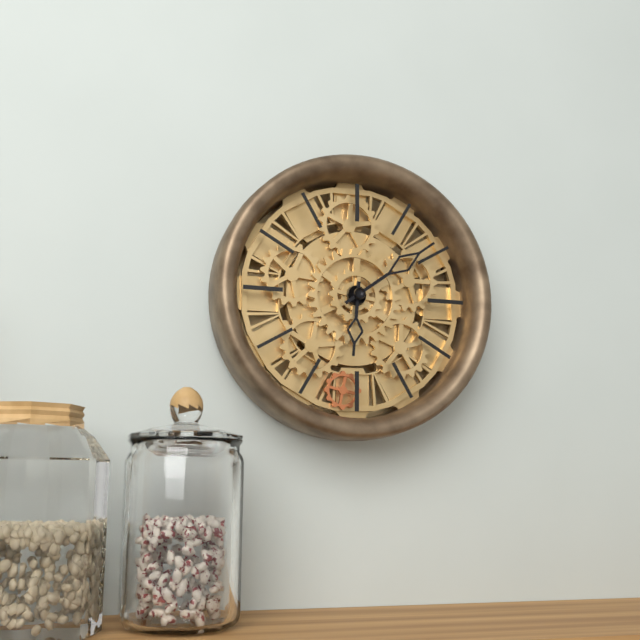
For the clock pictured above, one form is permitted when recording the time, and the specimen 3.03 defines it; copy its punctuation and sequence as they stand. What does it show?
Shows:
6.09
